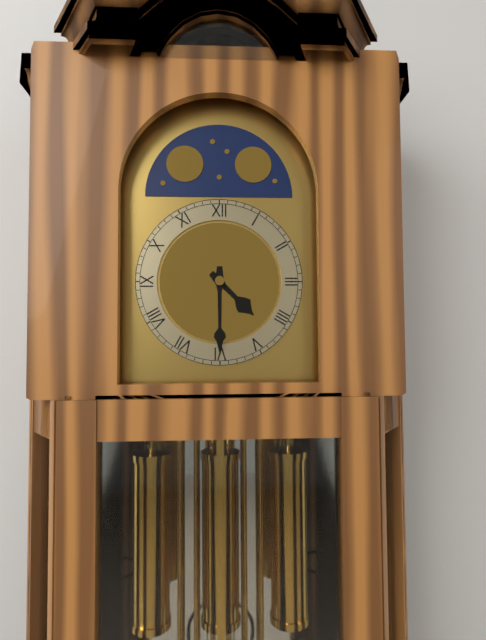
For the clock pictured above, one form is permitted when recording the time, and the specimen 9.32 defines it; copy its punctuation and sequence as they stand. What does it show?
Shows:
4.30
